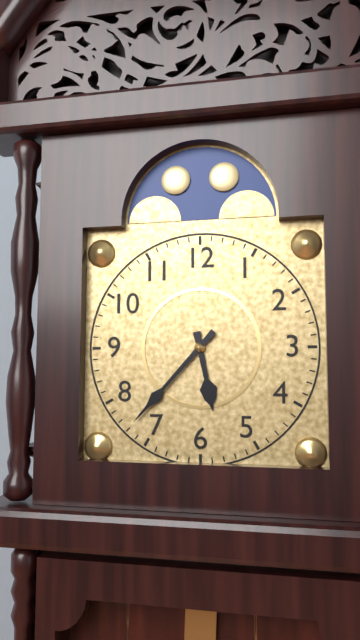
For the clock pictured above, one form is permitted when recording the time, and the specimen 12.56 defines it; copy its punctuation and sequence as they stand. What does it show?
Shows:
5.37
